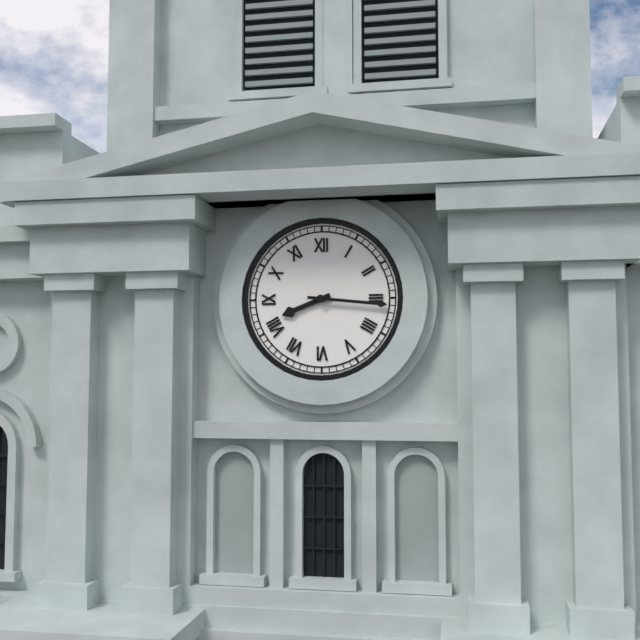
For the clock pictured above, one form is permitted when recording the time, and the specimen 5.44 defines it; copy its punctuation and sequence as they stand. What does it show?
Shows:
8.16
